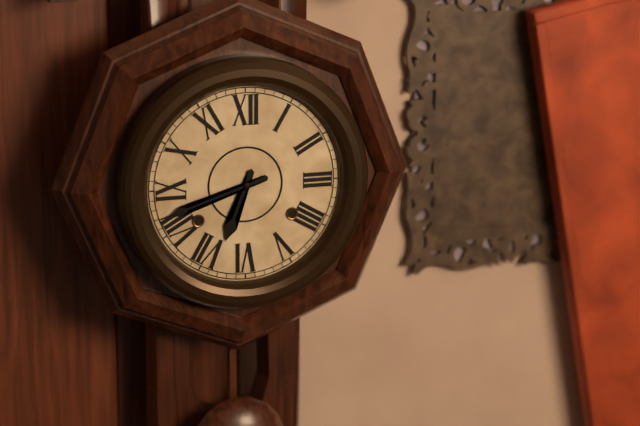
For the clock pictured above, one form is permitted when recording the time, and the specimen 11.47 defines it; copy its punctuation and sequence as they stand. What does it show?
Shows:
6.42
